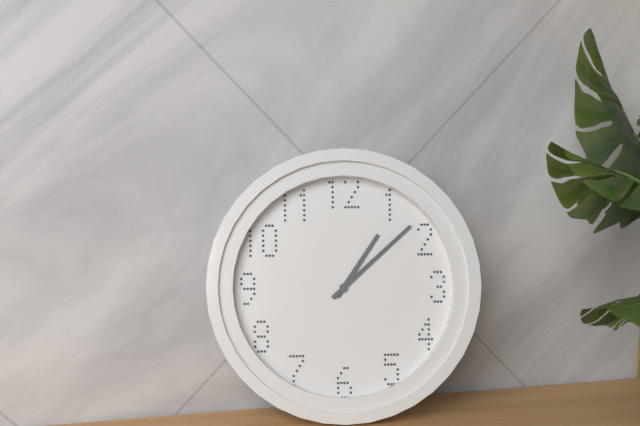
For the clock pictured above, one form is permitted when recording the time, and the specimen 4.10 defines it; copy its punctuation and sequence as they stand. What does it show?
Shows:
1.08
